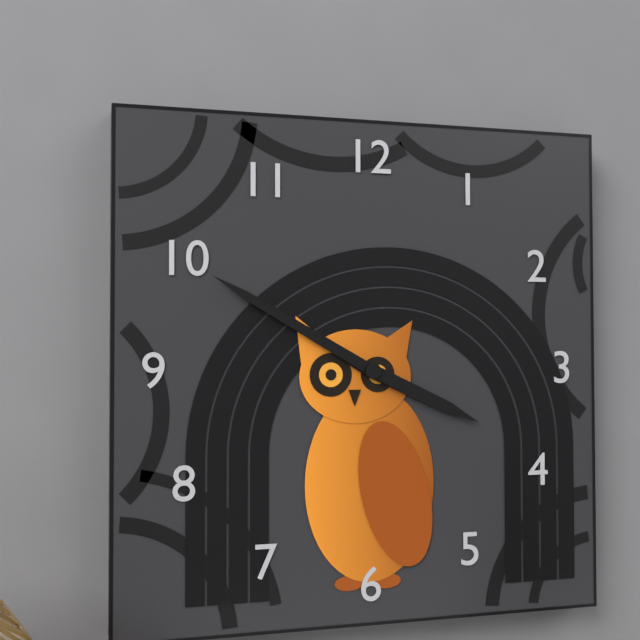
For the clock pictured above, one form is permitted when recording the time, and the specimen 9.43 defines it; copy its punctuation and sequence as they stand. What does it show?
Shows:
3.50
